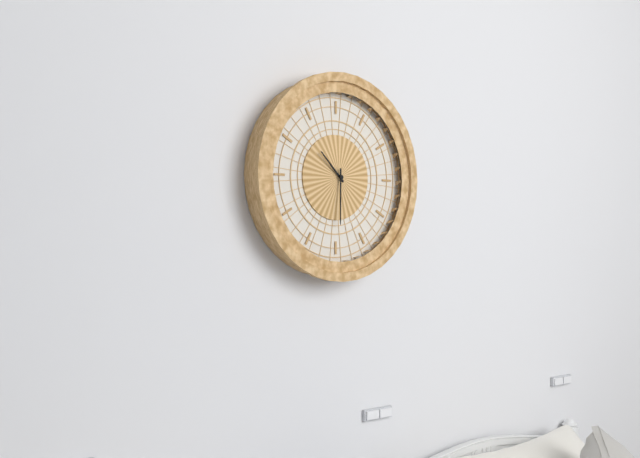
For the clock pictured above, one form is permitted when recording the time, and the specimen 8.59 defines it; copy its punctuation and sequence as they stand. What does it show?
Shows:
10.30
